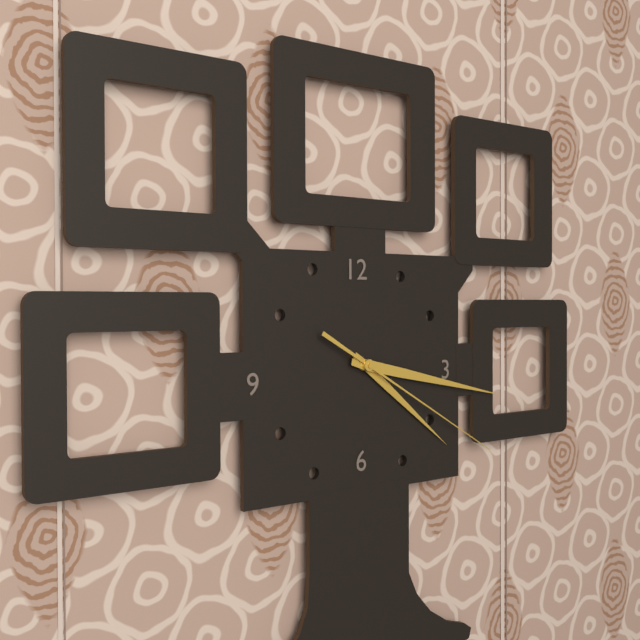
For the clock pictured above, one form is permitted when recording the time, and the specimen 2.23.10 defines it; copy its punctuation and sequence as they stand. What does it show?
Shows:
4.17.20
